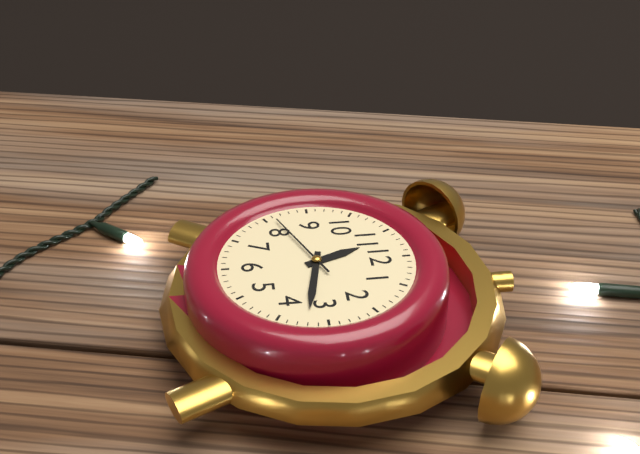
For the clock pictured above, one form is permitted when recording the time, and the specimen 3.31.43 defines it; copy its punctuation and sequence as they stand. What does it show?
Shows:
11.17.41
